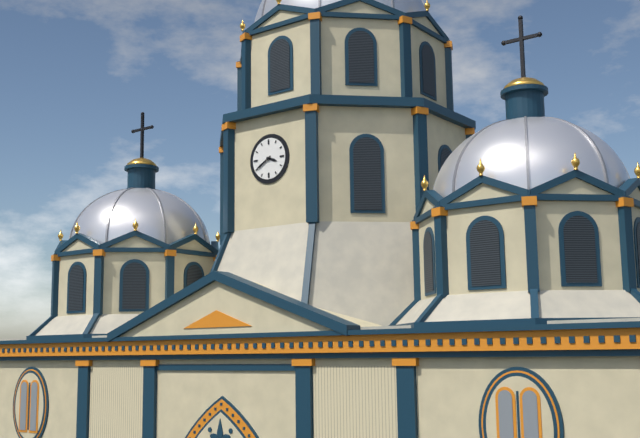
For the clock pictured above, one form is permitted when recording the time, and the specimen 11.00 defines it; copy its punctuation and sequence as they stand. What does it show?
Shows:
3.40
